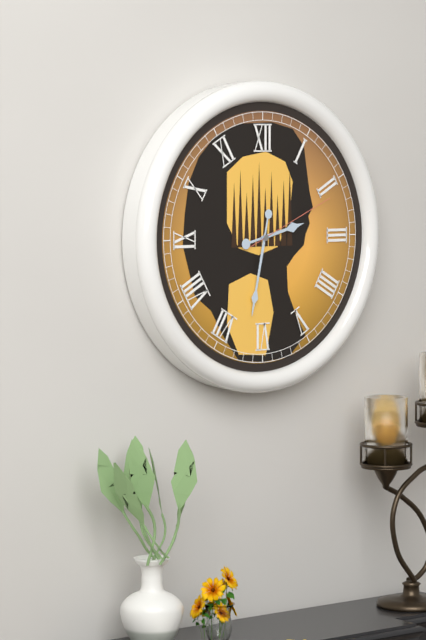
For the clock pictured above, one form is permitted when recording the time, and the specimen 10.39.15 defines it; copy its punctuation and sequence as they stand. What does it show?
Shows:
2.32.11
